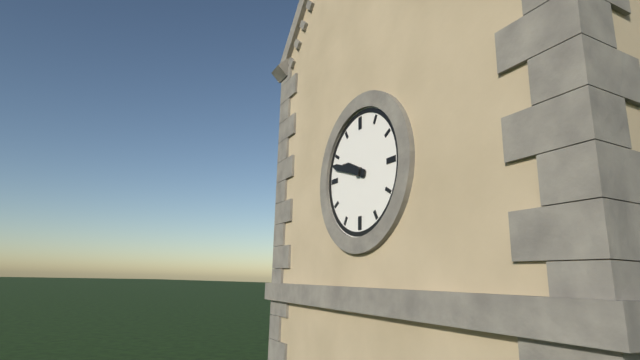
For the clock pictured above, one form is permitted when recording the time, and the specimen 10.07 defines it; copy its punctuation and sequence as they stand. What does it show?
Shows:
9.48
